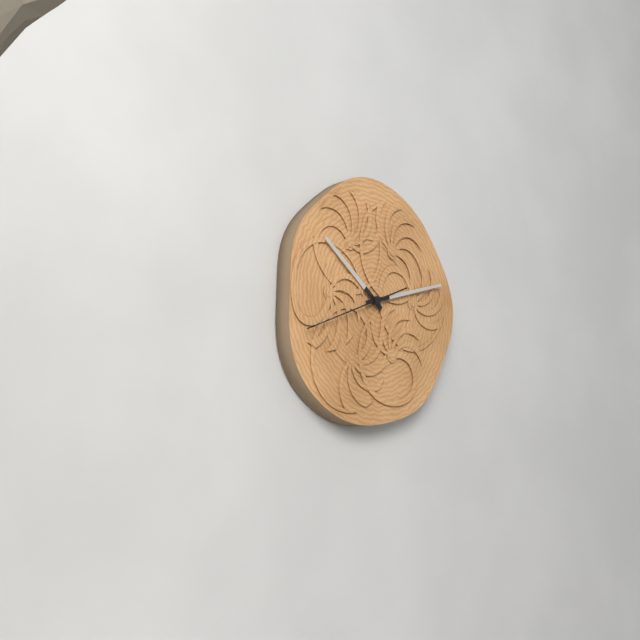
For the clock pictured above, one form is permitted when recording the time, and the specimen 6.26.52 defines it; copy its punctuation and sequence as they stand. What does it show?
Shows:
10.12.41
